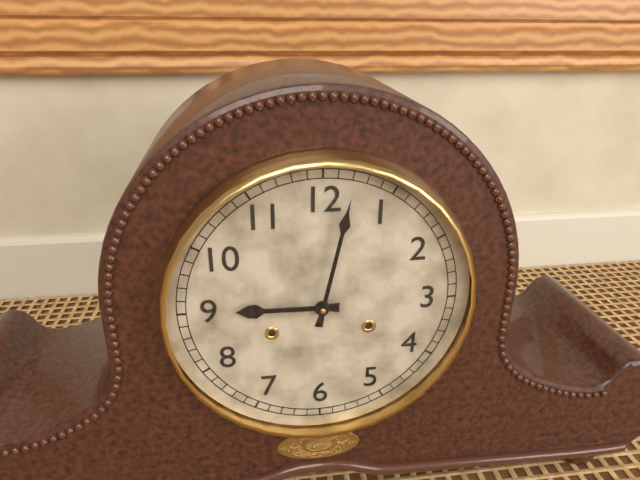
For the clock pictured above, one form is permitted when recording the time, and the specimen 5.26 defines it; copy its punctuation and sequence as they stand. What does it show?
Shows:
9.02
